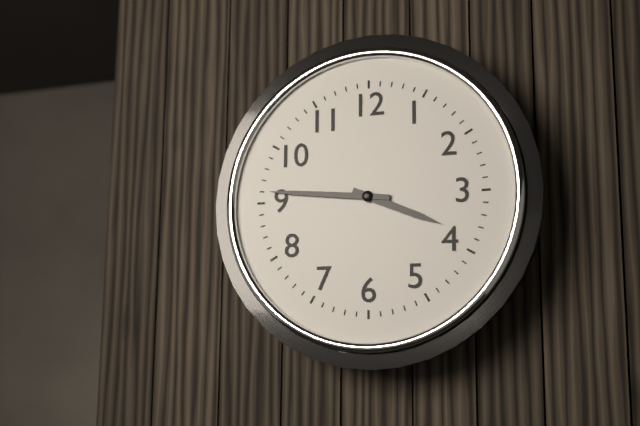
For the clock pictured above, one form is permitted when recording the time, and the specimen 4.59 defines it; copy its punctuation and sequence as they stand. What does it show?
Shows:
3.46
